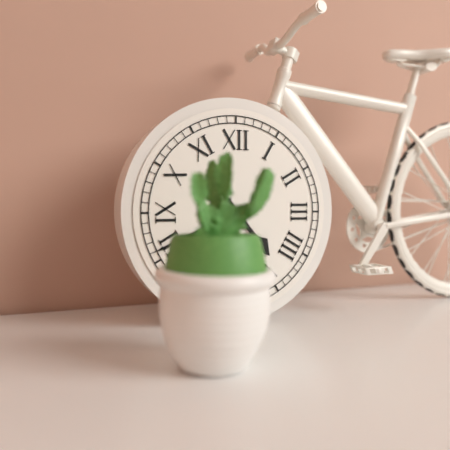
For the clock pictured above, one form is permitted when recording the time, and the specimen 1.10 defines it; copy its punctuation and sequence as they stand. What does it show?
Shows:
4.41
